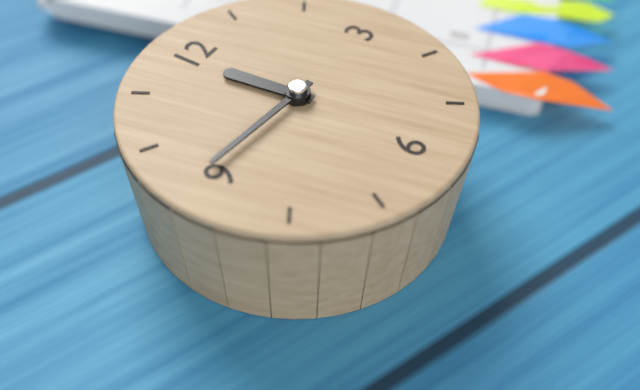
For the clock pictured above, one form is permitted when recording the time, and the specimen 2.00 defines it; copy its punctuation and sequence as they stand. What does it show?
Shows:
11.46
